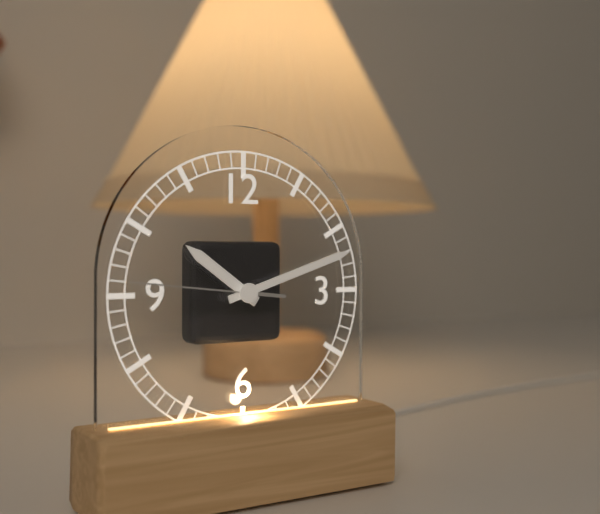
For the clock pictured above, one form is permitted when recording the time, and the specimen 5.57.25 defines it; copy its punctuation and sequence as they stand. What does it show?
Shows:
10.12.46
